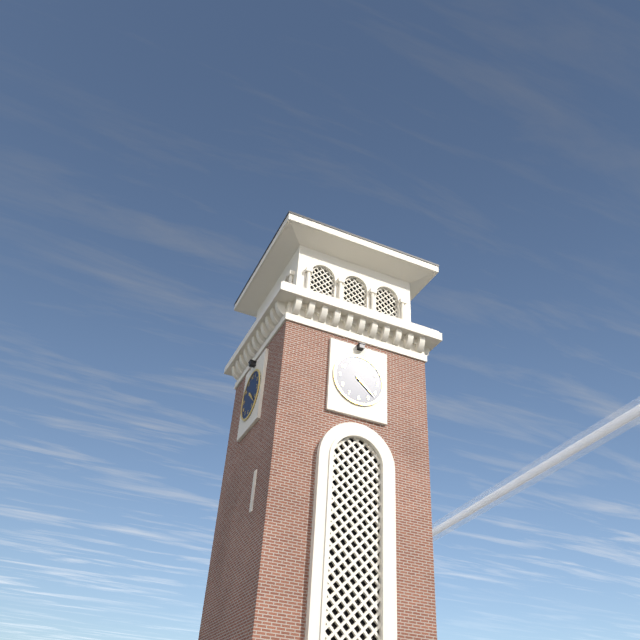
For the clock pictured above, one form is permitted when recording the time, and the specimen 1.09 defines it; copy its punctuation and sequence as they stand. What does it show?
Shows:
4.22
